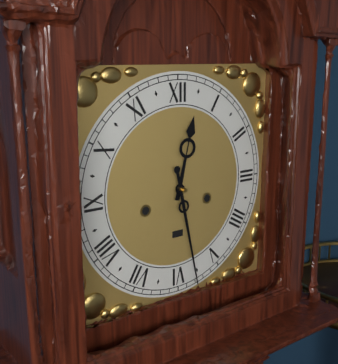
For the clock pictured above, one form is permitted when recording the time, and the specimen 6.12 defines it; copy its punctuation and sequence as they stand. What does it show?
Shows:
12.28
